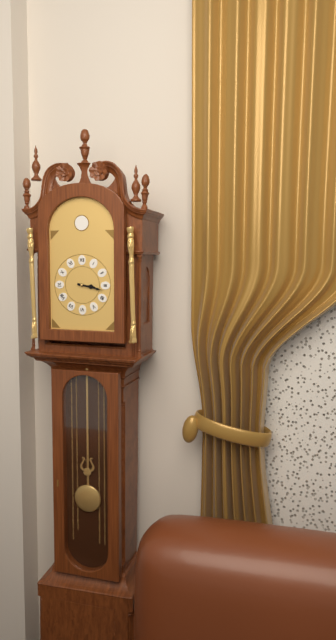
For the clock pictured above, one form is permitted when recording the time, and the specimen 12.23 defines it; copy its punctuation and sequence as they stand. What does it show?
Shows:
3.17
